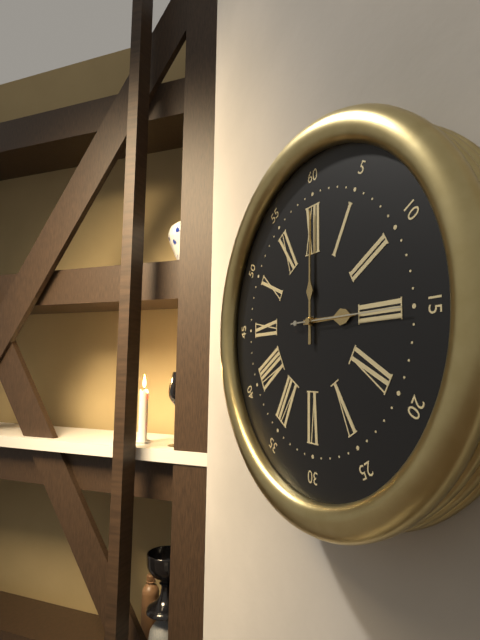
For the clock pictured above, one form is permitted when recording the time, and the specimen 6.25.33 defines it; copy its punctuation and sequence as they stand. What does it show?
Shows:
3.00.15
